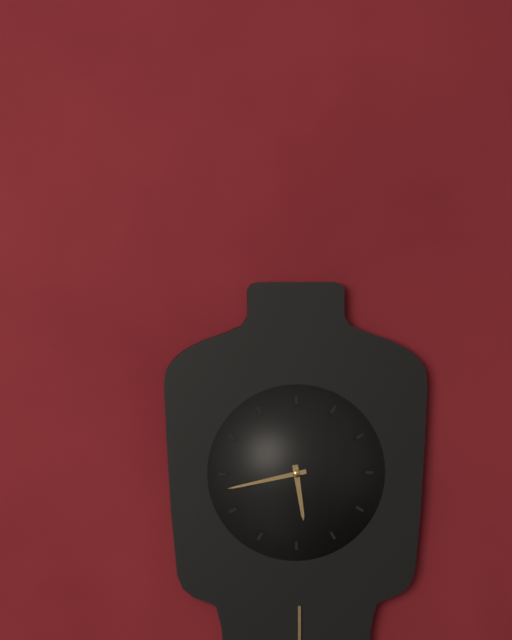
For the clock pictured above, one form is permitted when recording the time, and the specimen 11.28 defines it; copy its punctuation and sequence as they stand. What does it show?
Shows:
5.43
